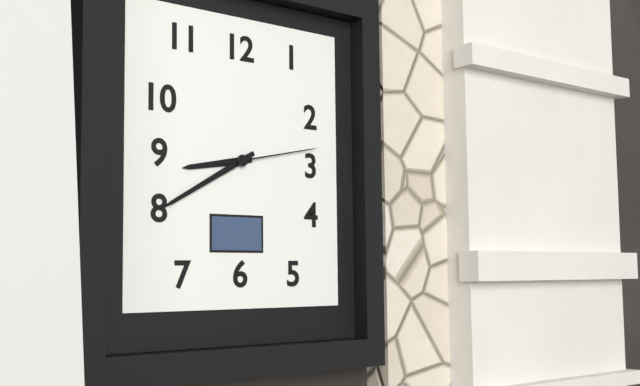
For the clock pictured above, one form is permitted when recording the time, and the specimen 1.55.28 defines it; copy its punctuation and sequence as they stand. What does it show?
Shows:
8.40.13
